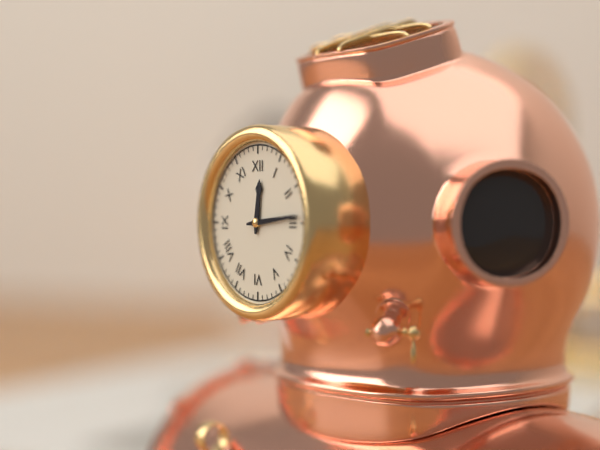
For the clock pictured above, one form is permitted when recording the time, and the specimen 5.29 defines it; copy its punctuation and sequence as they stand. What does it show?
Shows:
12.14
